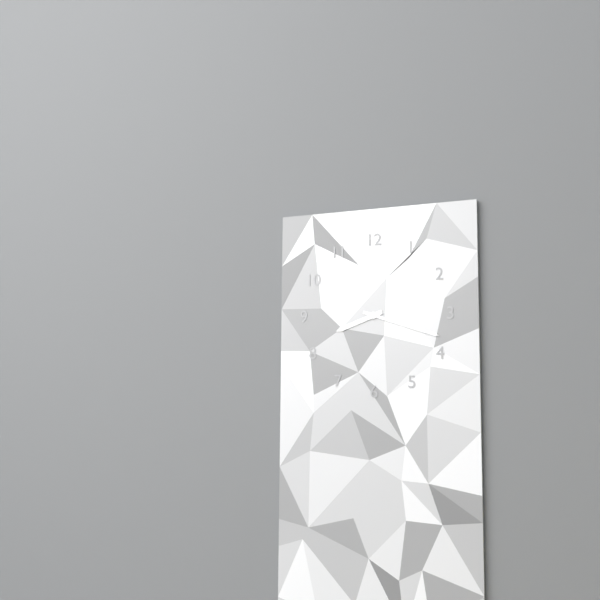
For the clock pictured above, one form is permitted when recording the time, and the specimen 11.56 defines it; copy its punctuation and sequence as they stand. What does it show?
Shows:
8.18
